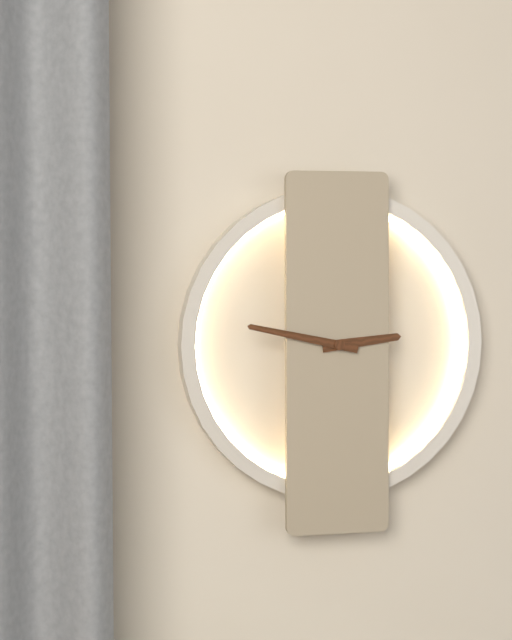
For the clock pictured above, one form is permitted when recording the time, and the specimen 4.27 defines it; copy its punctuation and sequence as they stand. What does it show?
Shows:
2.47
